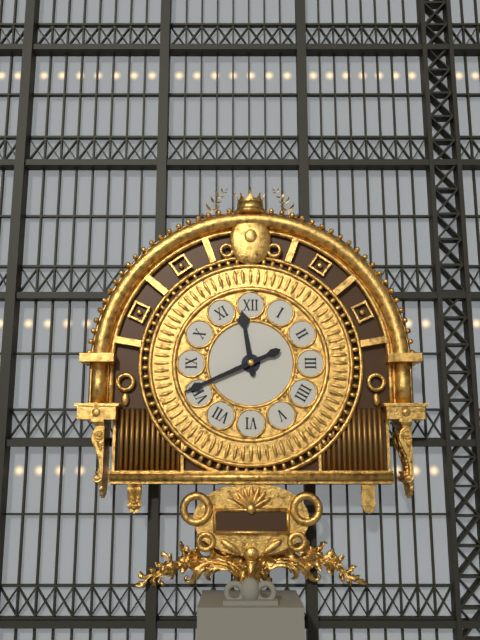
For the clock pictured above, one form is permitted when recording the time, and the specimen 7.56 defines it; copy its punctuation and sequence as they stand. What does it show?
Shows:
11.41
